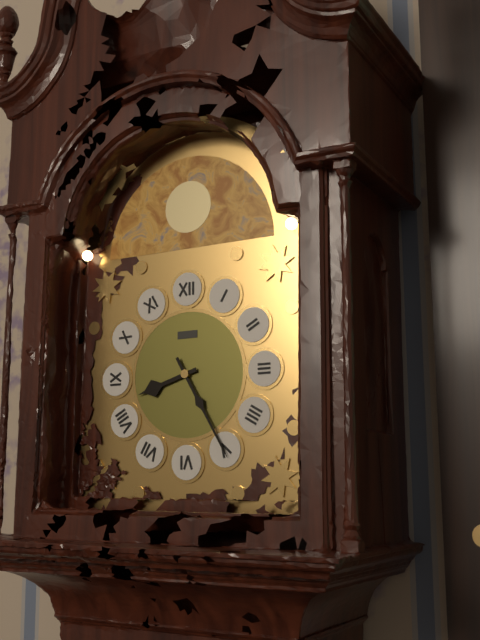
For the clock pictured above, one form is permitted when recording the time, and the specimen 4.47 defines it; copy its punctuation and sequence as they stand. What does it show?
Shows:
8.25
